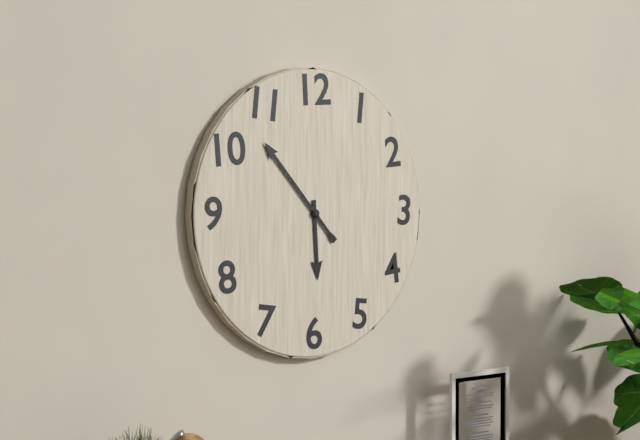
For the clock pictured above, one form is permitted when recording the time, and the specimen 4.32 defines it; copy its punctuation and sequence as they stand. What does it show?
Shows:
5.53
